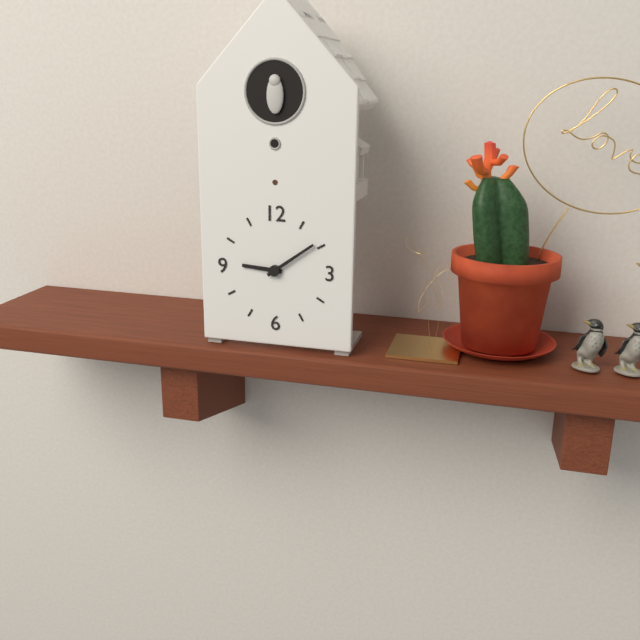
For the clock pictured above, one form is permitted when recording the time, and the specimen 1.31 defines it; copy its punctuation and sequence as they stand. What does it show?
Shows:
9.09
